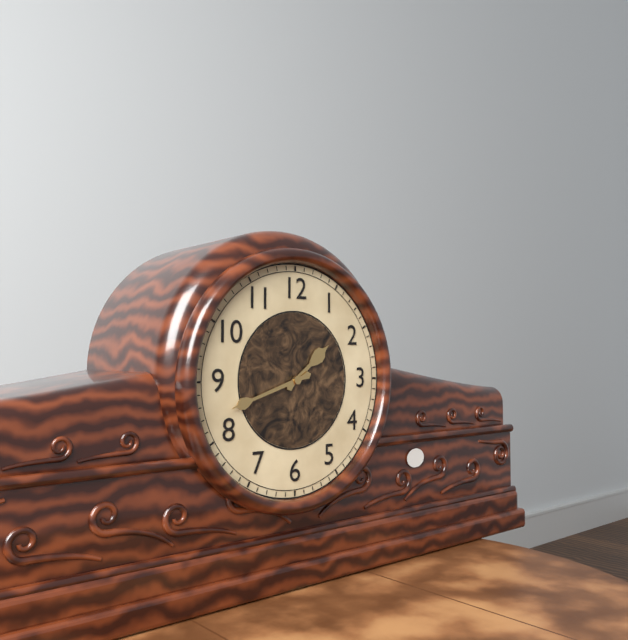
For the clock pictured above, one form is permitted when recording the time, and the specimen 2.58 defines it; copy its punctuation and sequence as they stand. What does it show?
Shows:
1.42
